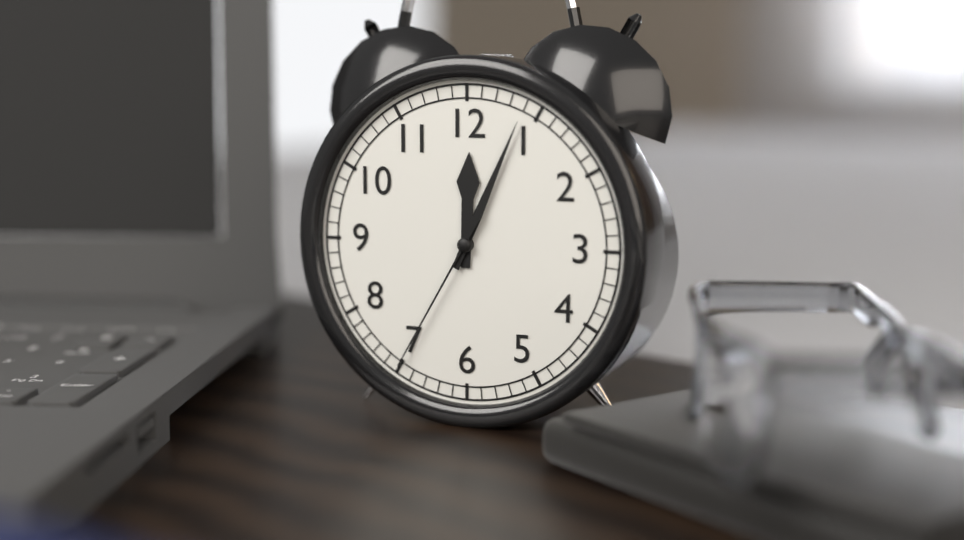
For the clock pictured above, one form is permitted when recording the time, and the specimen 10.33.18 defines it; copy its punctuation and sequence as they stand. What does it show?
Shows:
12.04.35
